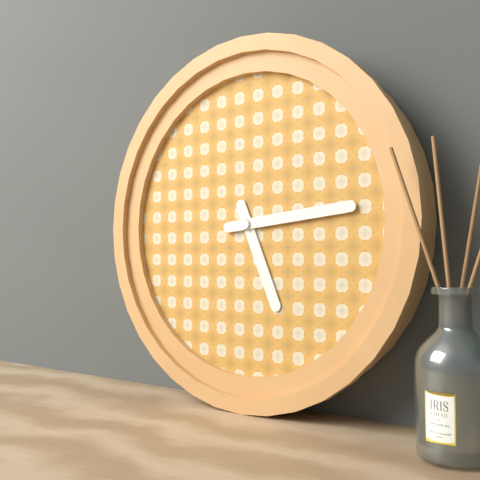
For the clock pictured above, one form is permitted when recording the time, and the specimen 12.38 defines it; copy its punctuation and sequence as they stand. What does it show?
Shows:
5.14
